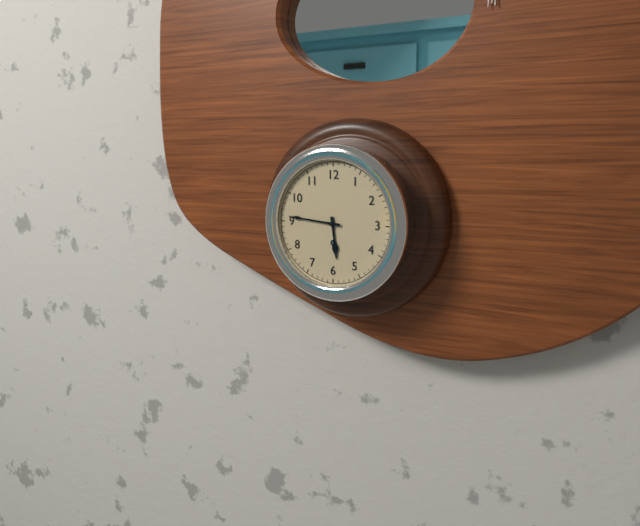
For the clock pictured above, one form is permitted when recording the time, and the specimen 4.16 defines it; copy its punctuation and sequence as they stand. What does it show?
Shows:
5.46
